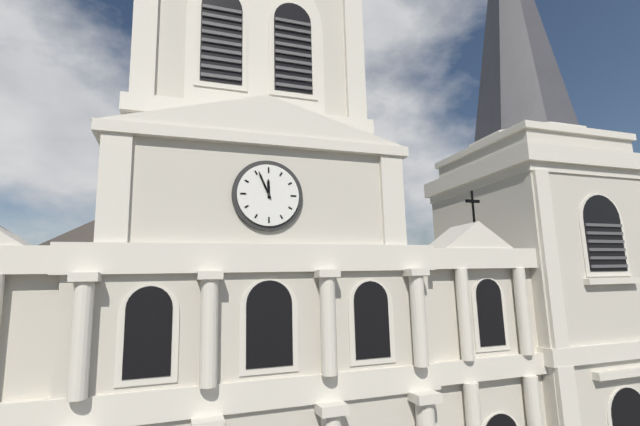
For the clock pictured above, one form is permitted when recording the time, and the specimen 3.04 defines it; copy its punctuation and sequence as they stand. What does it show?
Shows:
11.56
